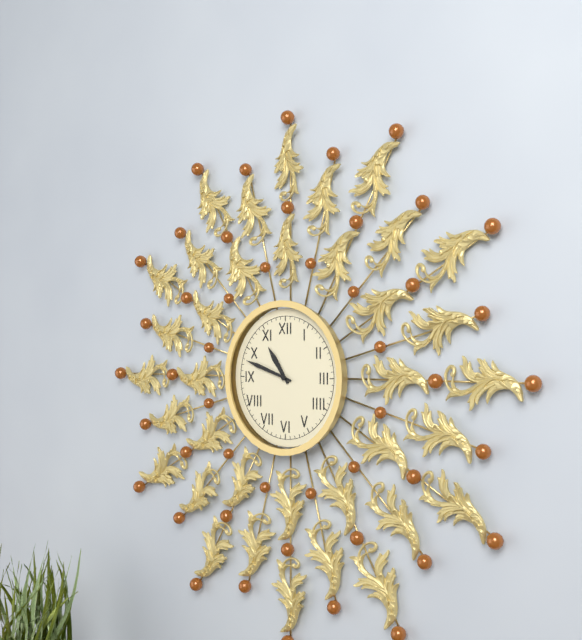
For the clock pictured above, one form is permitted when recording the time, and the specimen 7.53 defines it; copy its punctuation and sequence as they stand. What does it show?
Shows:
10.48
